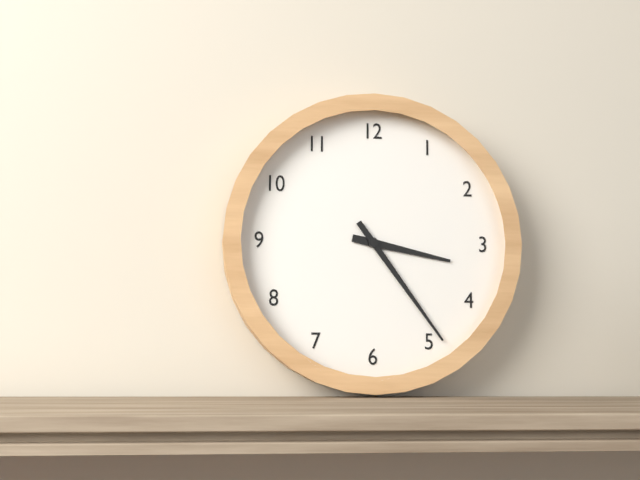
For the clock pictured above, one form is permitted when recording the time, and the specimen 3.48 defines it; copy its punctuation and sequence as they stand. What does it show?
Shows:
3.24
